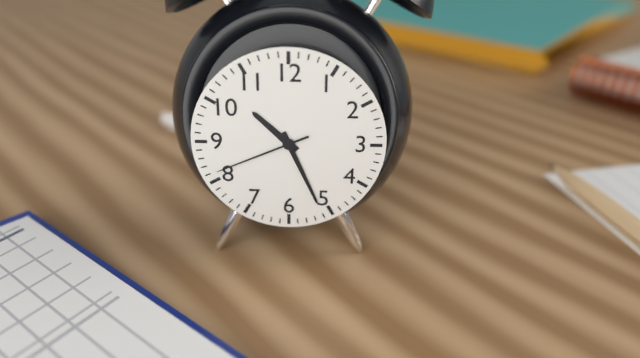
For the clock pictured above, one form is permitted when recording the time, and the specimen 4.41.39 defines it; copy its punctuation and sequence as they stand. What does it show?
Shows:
10.26.41
